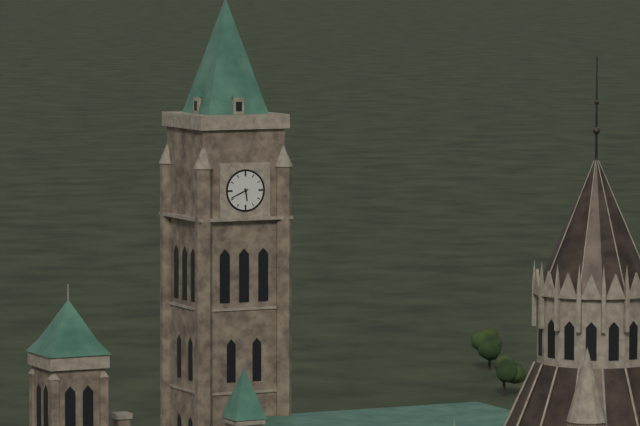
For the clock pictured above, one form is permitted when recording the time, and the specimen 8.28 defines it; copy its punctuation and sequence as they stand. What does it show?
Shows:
5.41
